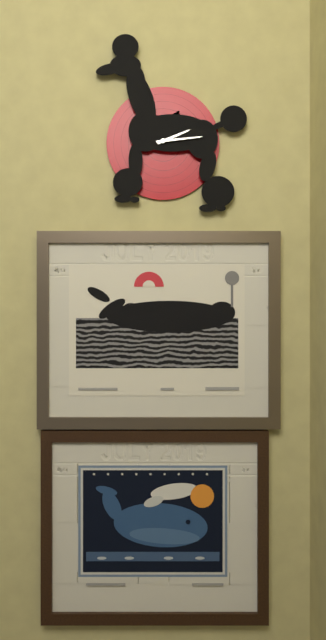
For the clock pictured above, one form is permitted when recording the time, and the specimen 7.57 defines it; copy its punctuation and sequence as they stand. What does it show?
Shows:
2.14
